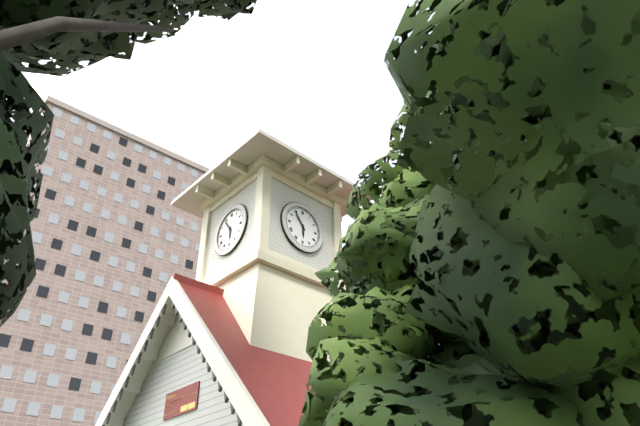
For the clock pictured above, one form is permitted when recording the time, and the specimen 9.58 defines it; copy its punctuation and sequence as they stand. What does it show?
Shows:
5.54
